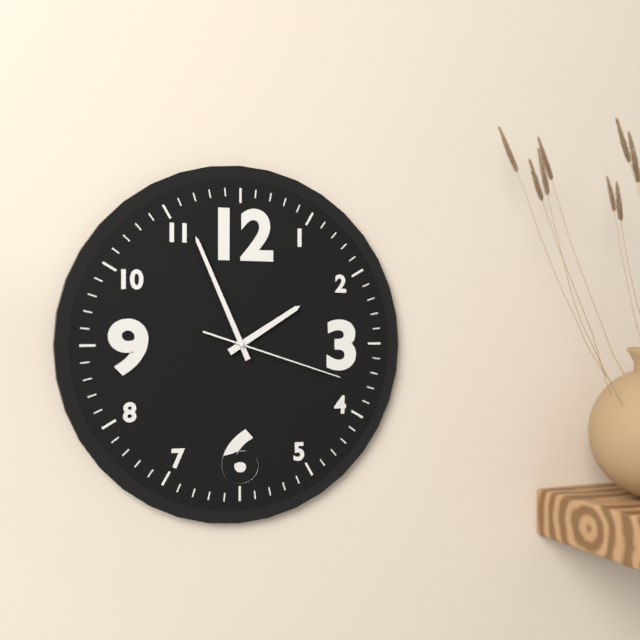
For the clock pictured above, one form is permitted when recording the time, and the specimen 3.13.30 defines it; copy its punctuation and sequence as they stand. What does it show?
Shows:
1.56.18
